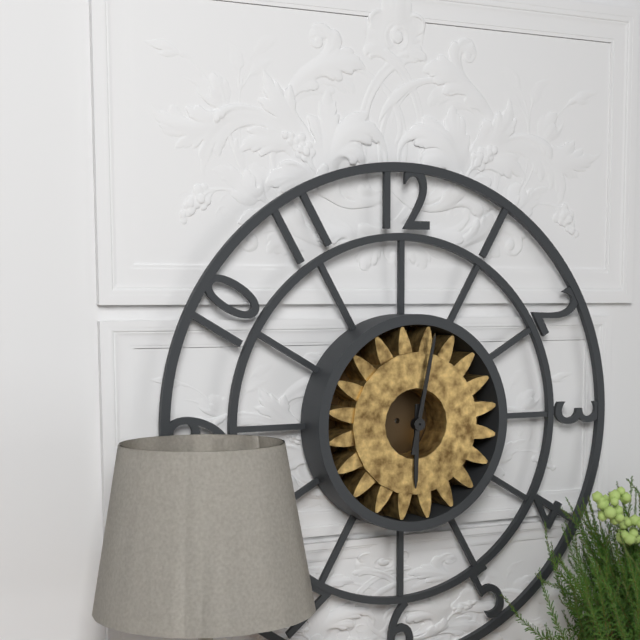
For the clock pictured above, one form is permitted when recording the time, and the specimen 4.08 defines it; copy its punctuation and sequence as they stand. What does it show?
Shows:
6.02
